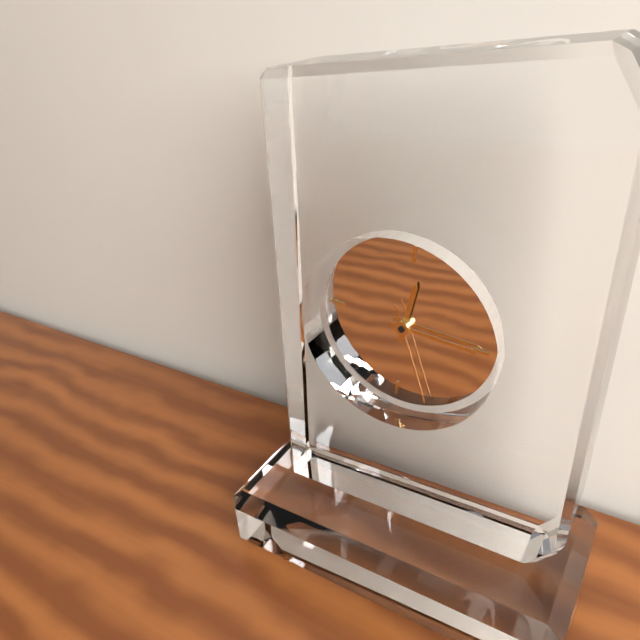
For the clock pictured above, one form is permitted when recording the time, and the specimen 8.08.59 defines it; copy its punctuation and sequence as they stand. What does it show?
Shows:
12.15.26
